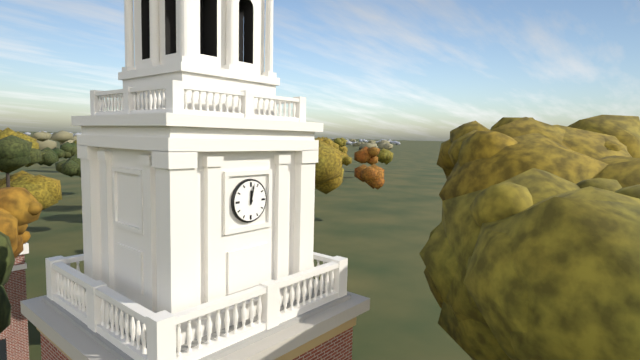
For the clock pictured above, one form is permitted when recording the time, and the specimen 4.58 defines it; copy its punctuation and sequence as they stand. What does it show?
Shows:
12.02
